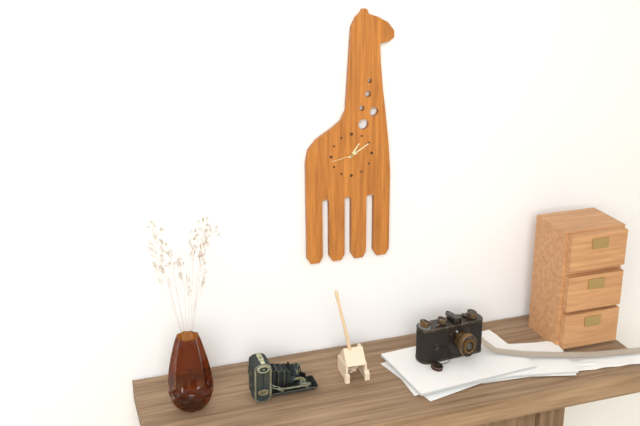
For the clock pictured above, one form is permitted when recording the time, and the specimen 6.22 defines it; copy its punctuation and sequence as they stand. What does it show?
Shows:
1.10
